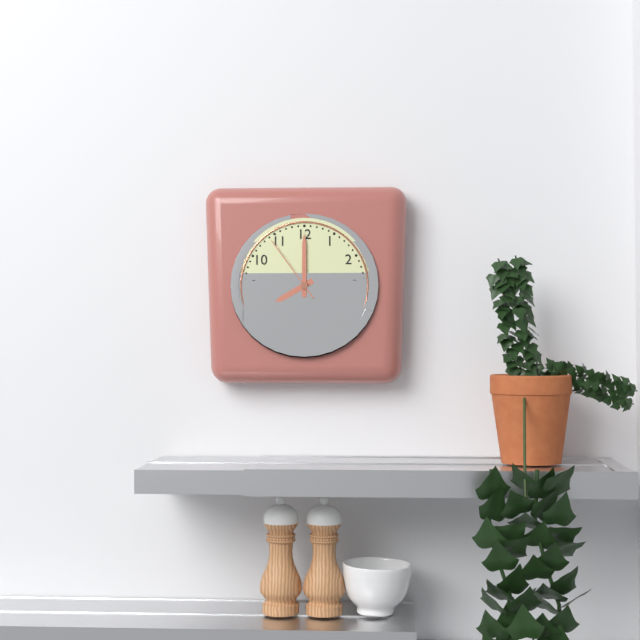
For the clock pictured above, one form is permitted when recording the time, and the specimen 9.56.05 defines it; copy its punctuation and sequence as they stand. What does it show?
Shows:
8.00.54
